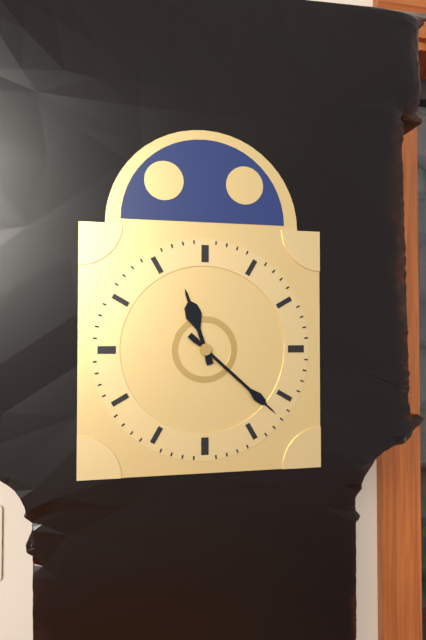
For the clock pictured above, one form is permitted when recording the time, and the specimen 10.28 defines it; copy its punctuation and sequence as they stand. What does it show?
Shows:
11.22
